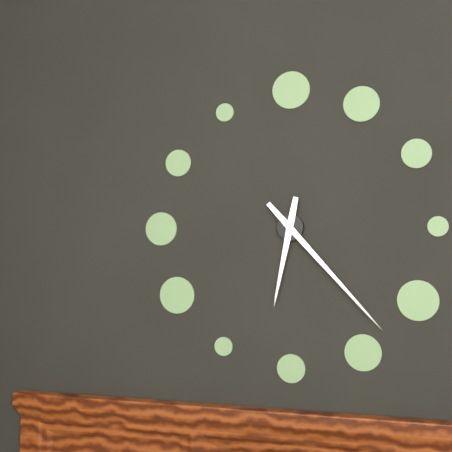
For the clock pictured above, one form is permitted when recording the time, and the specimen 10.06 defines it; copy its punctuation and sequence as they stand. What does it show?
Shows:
6.23
